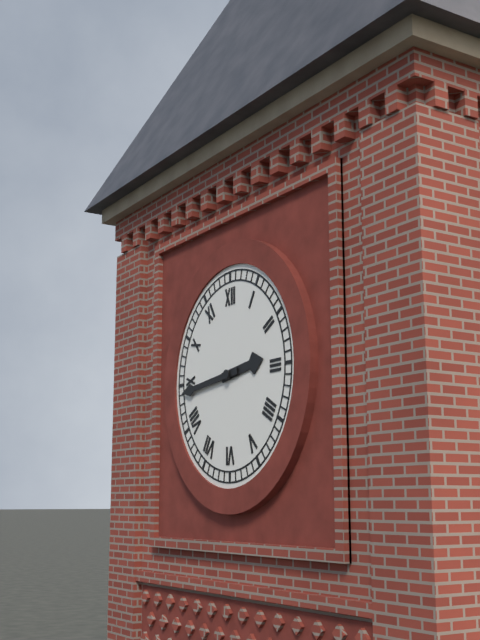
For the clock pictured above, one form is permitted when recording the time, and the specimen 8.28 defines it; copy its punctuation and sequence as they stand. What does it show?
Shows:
2.44
